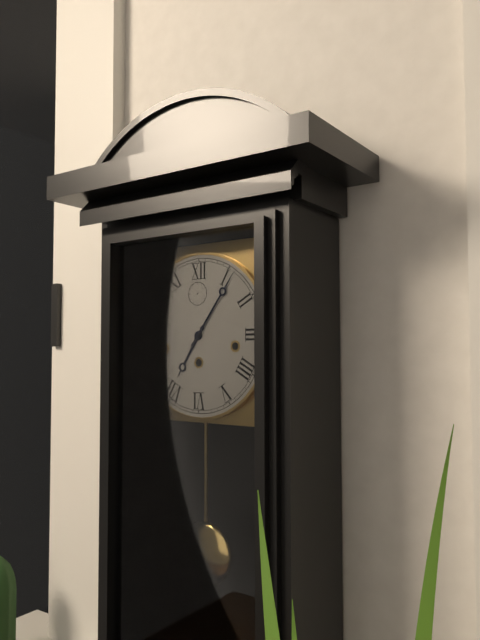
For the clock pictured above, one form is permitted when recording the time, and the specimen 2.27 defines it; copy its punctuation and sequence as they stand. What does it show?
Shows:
7.06
